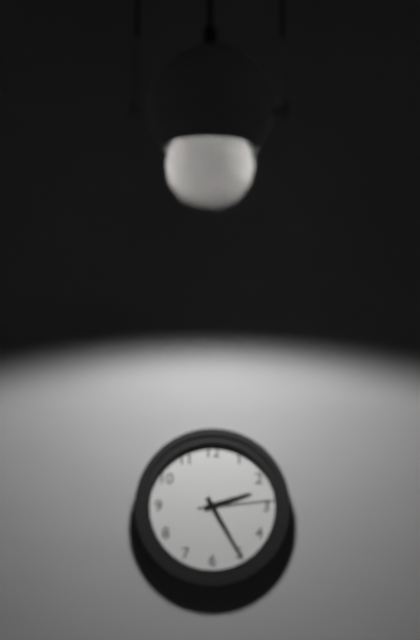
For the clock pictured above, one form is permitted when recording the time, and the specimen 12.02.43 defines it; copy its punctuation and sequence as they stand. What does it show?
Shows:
2.25.14
